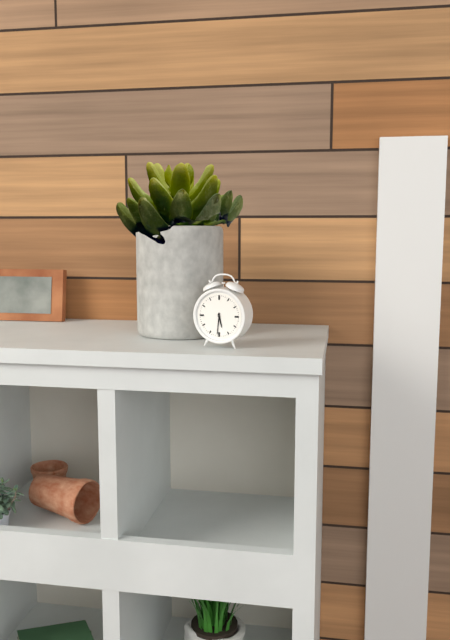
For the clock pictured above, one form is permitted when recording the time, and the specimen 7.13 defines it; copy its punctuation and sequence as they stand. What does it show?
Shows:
5.31
